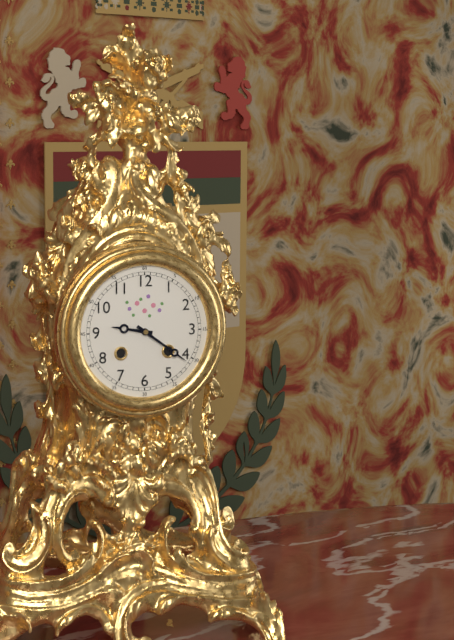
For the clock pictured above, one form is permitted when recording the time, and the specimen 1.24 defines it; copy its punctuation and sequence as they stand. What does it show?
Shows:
9.21
